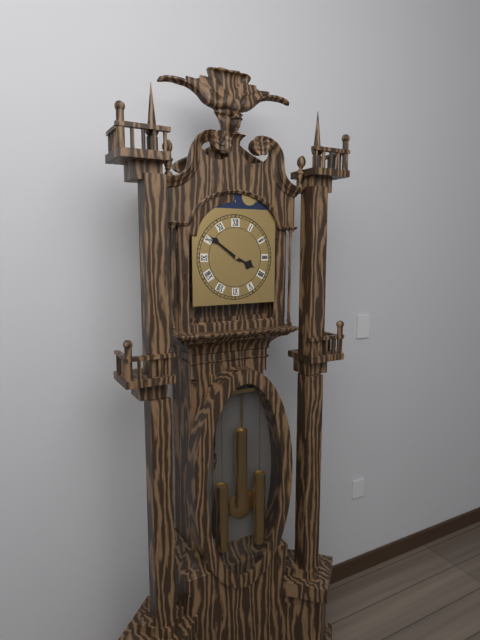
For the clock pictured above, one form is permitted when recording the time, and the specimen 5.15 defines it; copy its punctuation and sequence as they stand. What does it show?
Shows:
3.51
